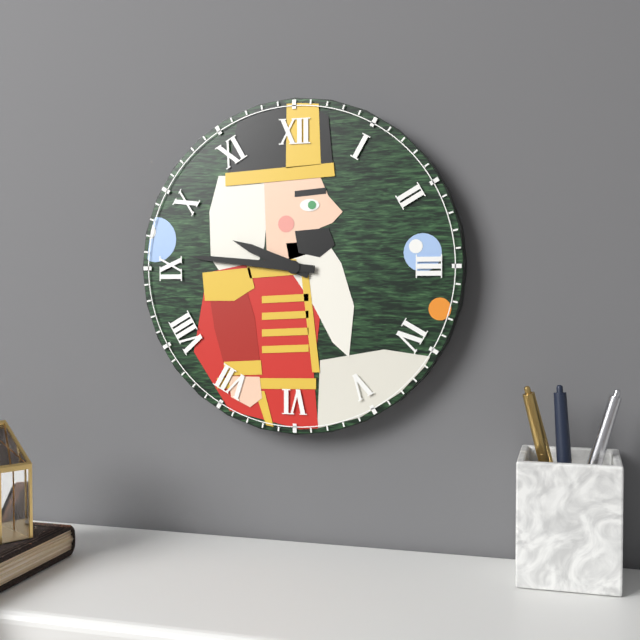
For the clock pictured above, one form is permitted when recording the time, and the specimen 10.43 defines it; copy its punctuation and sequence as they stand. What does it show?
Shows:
9.46
